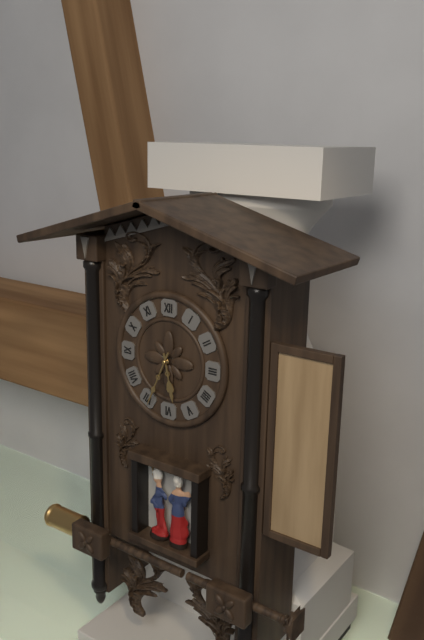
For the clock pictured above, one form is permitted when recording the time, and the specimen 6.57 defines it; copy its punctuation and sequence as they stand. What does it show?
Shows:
5.34
